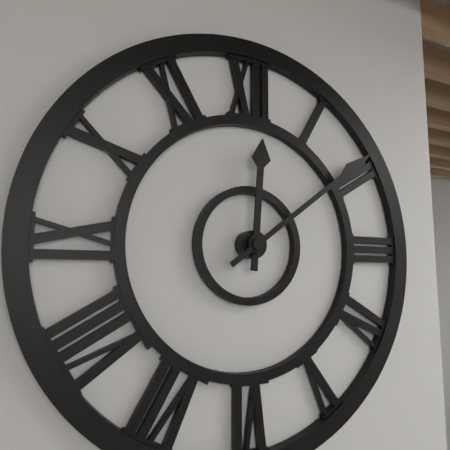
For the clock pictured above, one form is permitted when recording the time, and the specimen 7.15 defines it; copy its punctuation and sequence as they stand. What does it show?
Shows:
12.09
